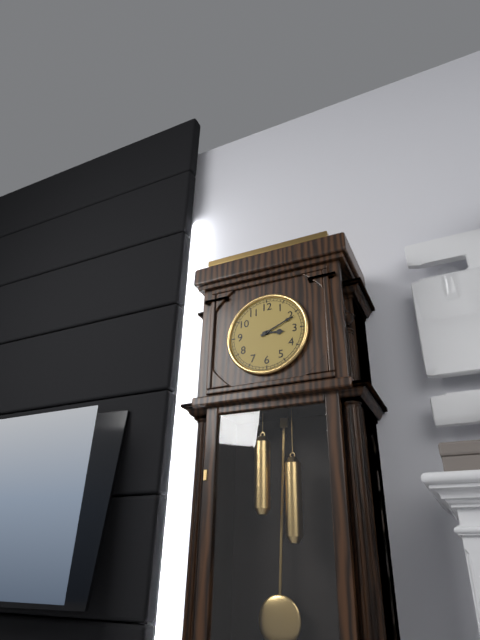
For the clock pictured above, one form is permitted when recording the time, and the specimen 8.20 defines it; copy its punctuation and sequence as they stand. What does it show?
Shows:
3.11
